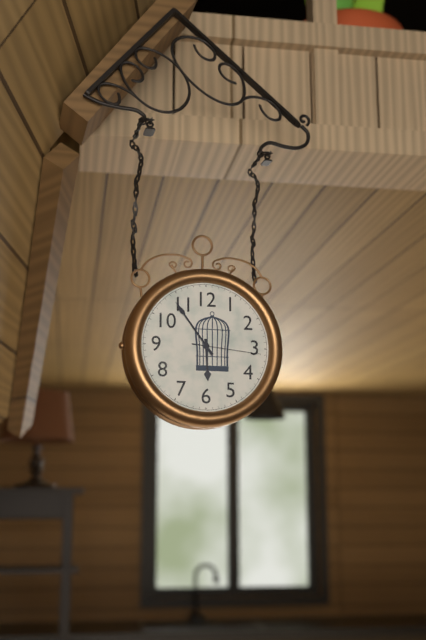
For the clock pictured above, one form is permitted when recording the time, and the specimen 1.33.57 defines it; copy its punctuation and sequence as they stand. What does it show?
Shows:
5.54.16
